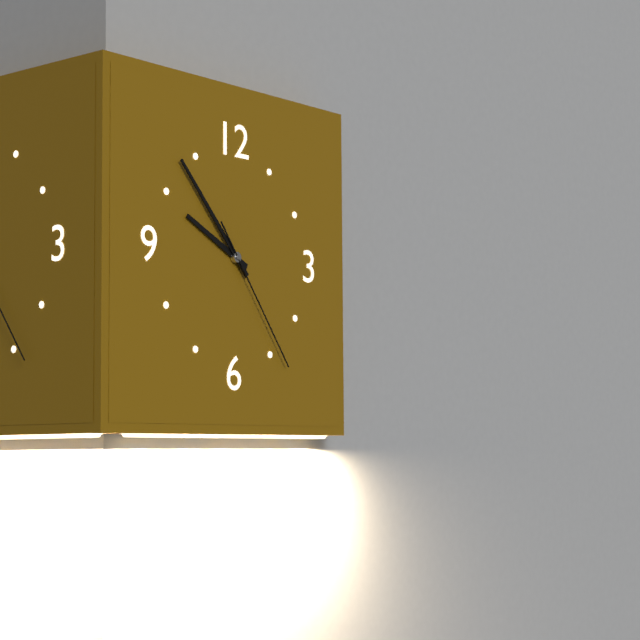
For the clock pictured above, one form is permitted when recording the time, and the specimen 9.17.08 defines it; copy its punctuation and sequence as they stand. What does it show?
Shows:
9.53.24
